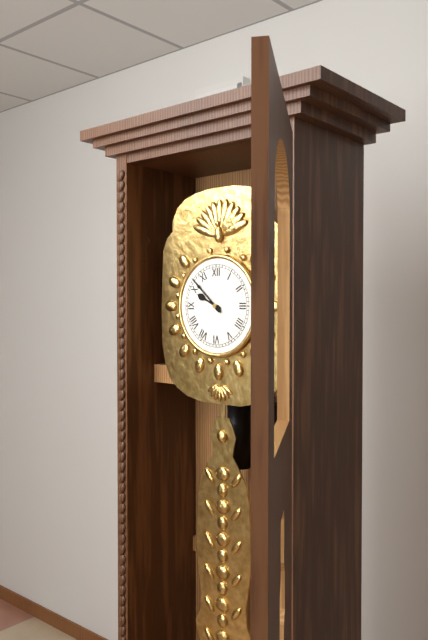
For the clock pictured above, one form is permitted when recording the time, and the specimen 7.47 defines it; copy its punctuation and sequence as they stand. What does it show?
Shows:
9.52
